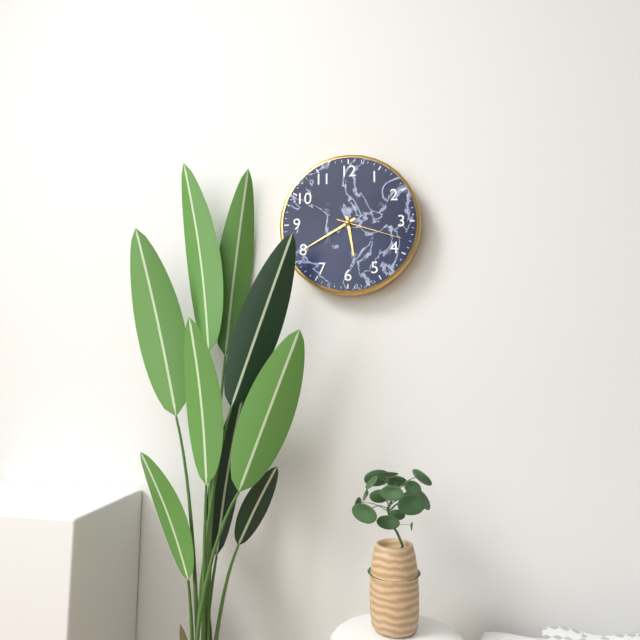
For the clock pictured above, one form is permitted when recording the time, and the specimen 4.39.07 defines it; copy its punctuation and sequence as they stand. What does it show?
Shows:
5.40.18
